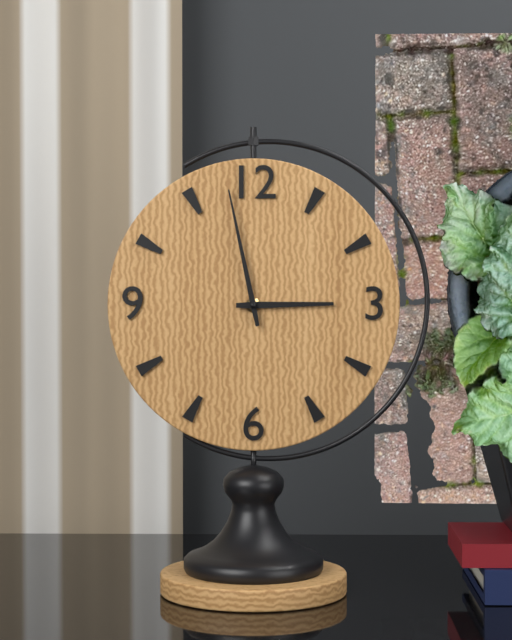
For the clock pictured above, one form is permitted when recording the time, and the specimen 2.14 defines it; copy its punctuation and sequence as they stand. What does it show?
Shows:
2.58
